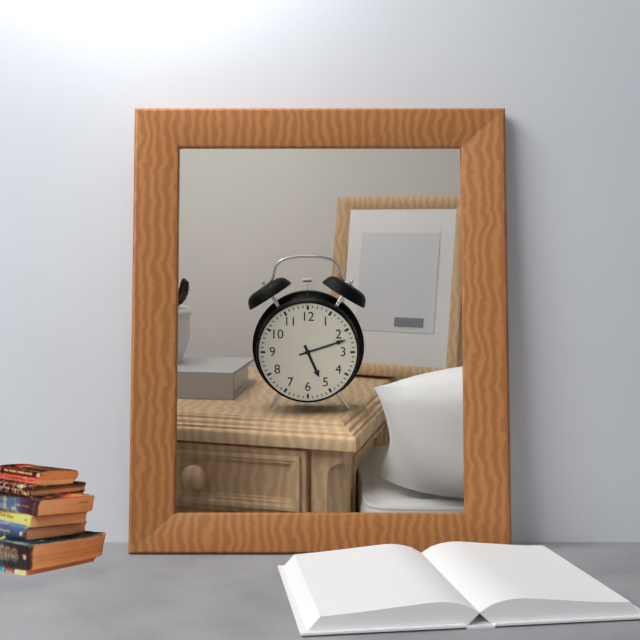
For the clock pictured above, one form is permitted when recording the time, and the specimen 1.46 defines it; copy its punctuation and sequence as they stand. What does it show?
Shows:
5.12
